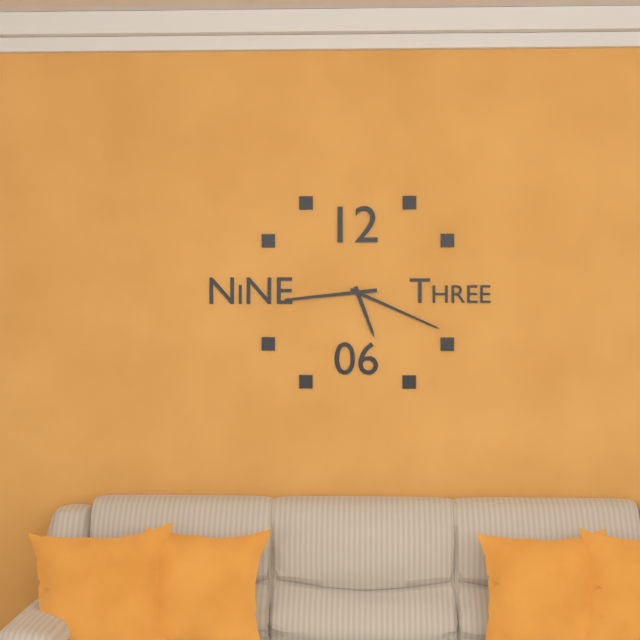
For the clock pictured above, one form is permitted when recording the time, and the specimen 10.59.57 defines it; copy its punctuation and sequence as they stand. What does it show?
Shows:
5.19.44
